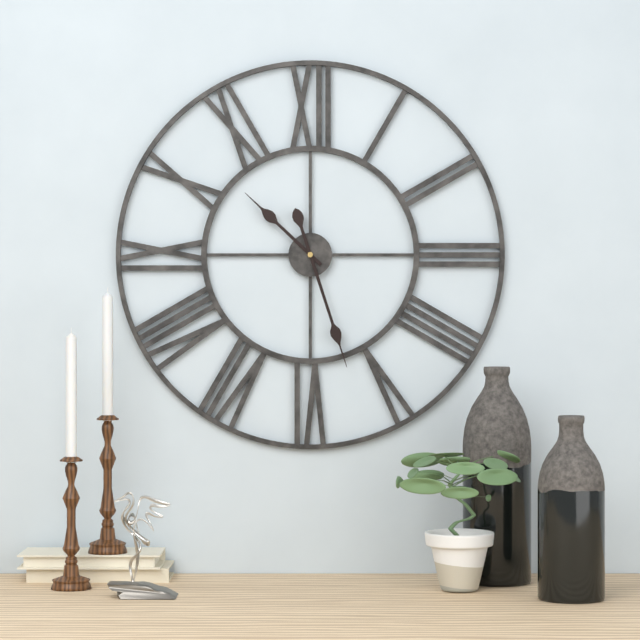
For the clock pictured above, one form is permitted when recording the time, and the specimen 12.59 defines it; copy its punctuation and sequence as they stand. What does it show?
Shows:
10.27
